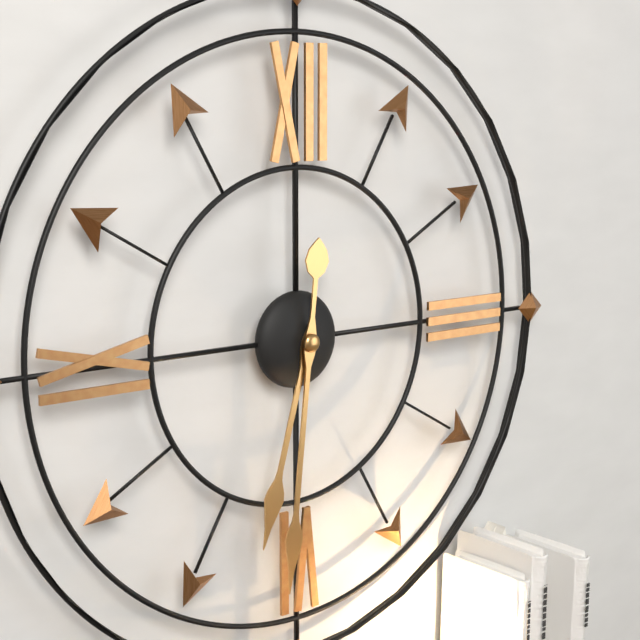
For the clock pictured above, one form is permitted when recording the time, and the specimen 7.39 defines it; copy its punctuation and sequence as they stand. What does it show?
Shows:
6.31
